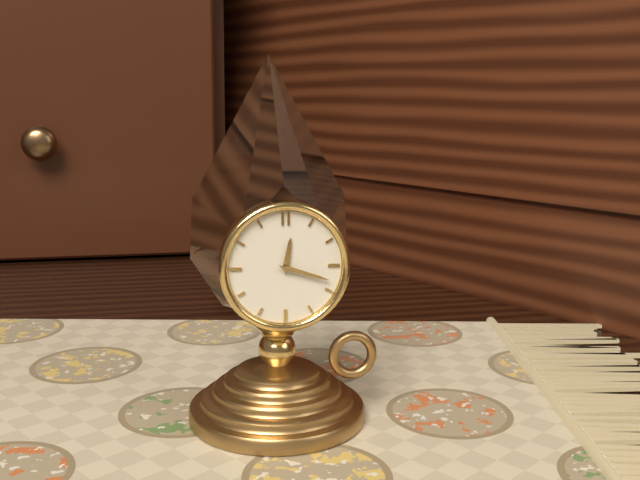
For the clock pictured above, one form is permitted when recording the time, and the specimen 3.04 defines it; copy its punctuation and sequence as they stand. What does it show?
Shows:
12.18
